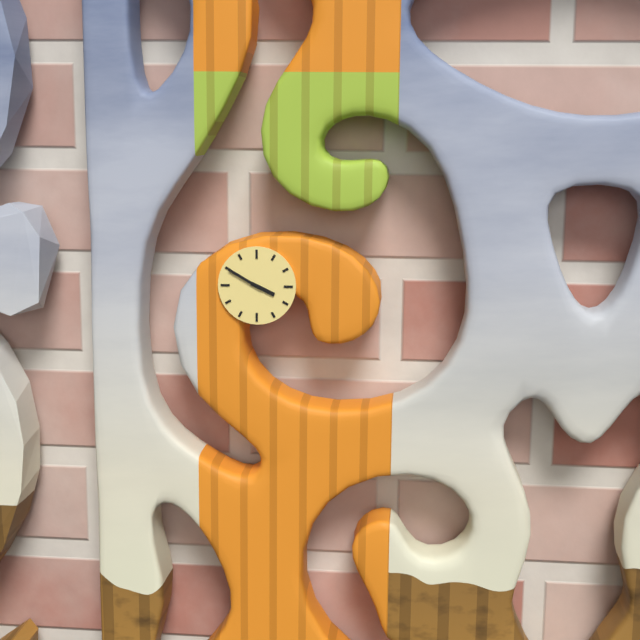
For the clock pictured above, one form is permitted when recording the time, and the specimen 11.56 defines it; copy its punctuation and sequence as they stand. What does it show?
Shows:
3.50
